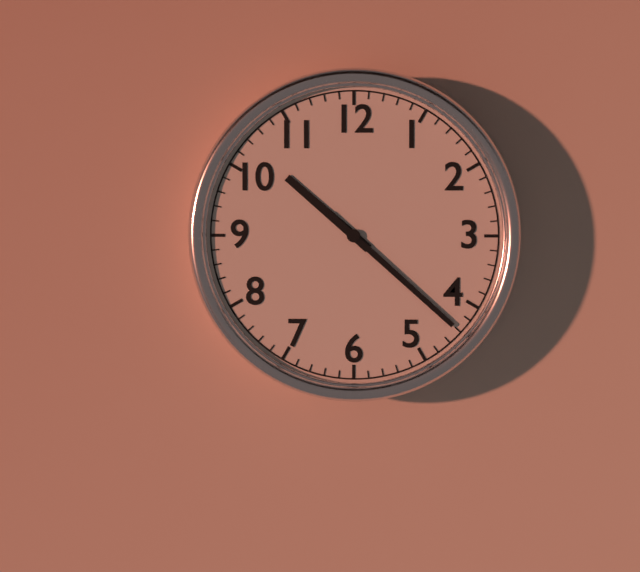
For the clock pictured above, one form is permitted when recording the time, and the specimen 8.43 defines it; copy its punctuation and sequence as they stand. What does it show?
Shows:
10.22
